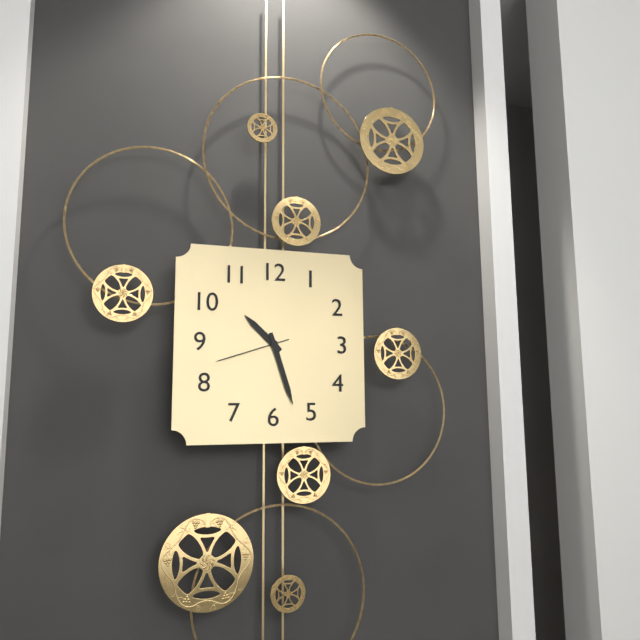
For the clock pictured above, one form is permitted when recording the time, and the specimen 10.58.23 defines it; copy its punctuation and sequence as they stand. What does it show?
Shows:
10.27.42
